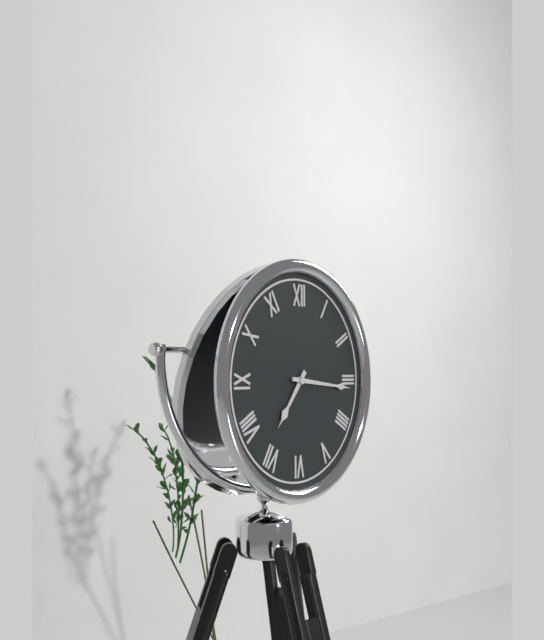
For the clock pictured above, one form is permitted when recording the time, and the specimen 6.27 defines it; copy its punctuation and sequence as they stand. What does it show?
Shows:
7.16
